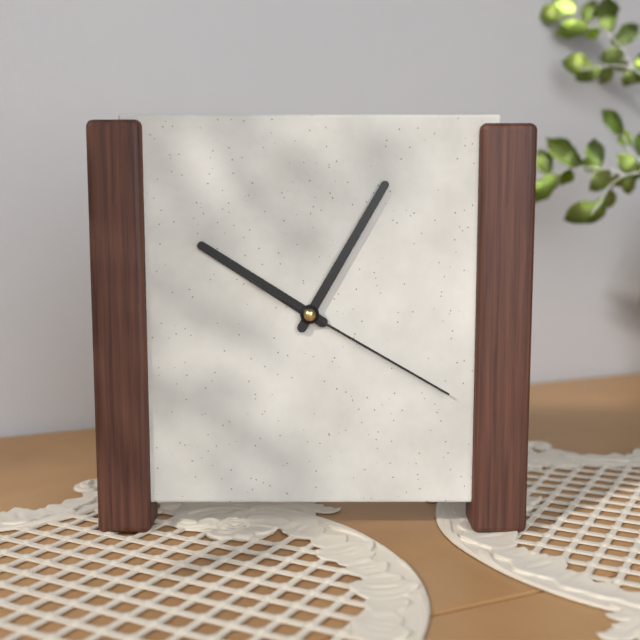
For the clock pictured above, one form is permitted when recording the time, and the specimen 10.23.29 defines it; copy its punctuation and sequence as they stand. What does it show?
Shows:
10.05.20
